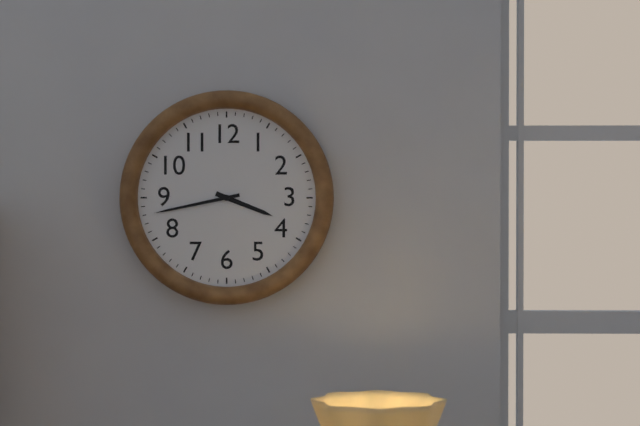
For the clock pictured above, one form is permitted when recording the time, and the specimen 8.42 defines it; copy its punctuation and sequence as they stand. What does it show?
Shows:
3.43
